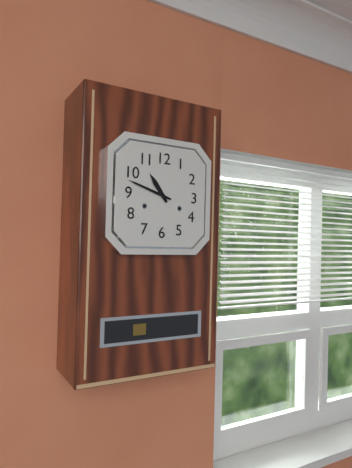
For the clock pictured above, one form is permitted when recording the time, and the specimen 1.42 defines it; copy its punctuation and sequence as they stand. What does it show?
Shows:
10.48
